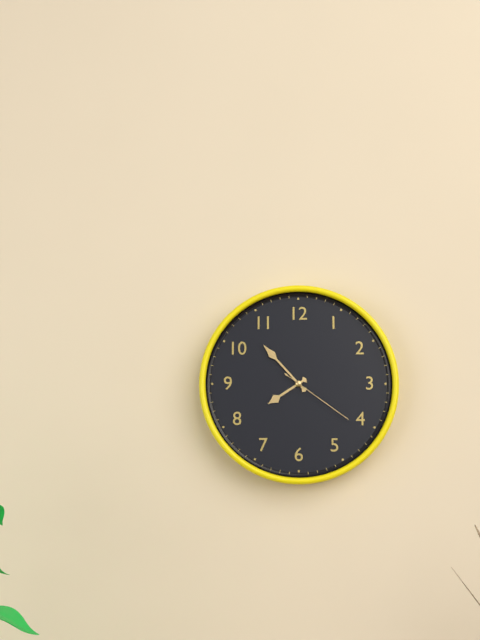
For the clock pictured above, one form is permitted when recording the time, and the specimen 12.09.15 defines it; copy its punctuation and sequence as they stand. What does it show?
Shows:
7.53.21
